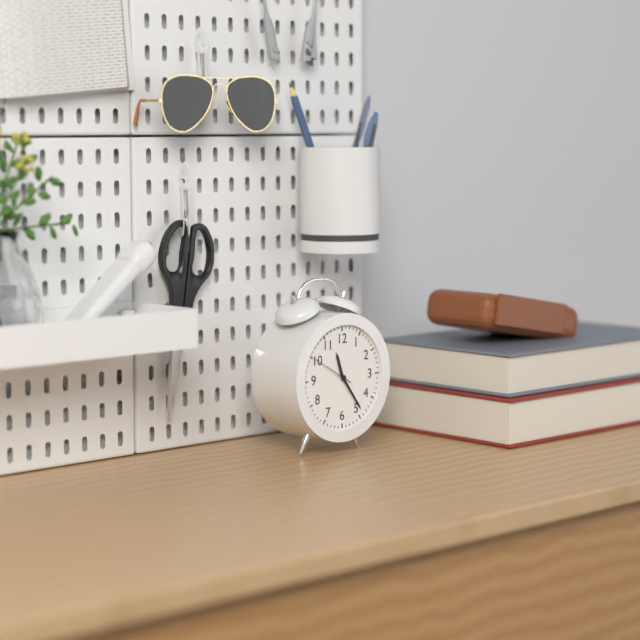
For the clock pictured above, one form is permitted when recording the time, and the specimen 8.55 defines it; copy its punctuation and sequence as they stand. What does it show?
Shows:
11.24
